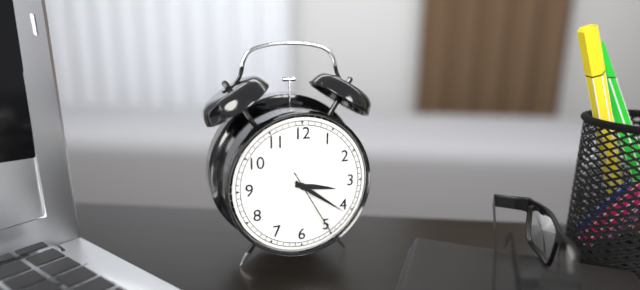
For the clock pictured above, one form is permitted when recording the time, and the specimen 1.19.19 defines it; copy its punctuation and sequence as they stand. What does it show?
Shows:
3.21.25
